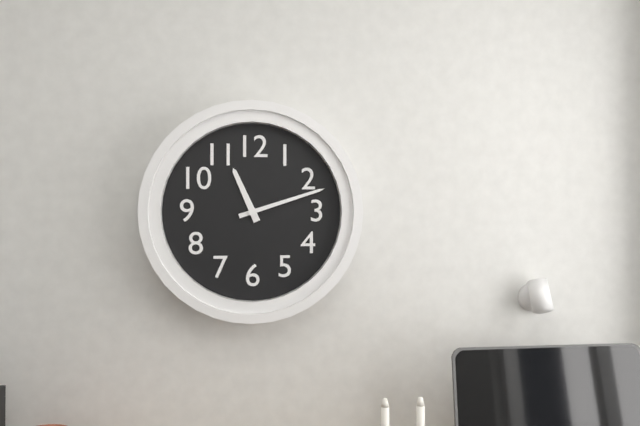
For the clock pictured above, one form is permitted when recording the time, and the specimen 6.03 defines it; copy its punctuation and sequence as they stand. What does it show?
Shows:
11.12
